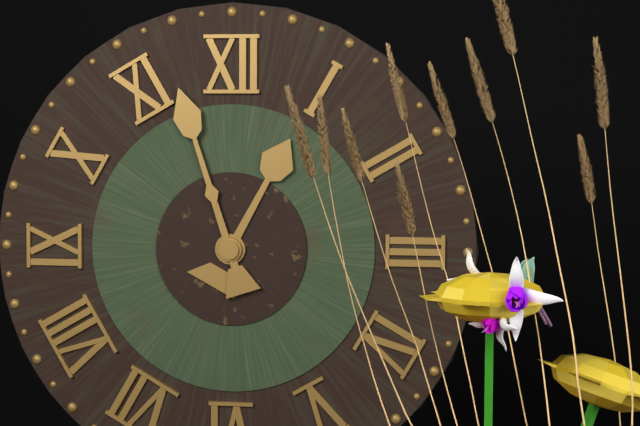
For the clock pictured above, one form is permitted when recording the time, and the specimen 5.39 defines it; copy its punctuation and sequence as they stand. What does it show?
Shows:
12.57
